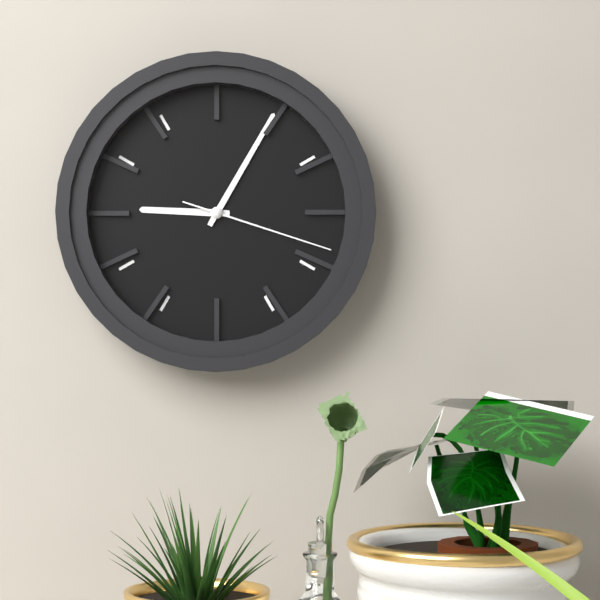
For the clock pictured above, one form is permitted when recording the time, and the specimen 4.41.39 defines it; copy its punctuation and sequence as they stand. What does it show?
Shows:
9.05.18
